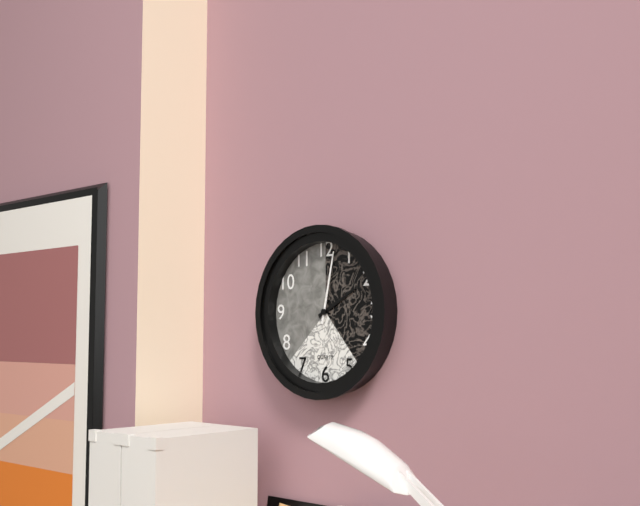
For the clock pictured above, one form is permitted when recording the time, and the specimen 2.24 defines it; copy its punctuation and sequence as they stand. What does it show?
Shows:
2.02
